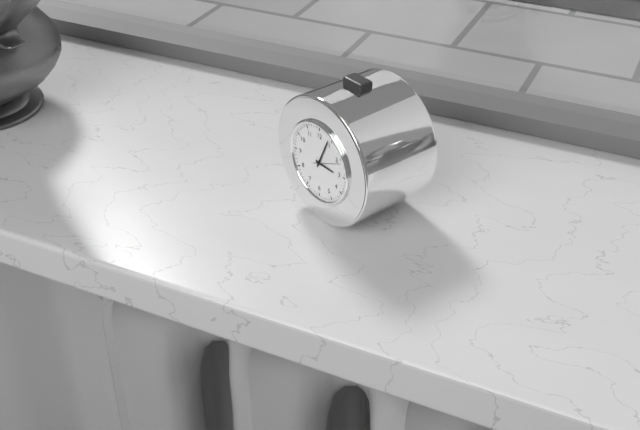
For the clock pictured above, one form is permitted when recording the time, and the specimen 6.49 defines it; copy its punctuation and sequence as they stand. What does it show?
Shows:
3.04
